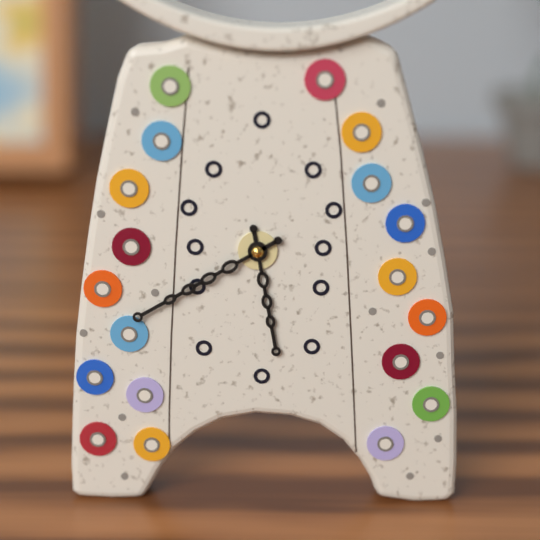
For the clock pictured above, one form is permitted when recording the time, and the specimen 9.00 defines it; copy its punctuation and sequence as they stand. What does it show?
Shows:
5.40
